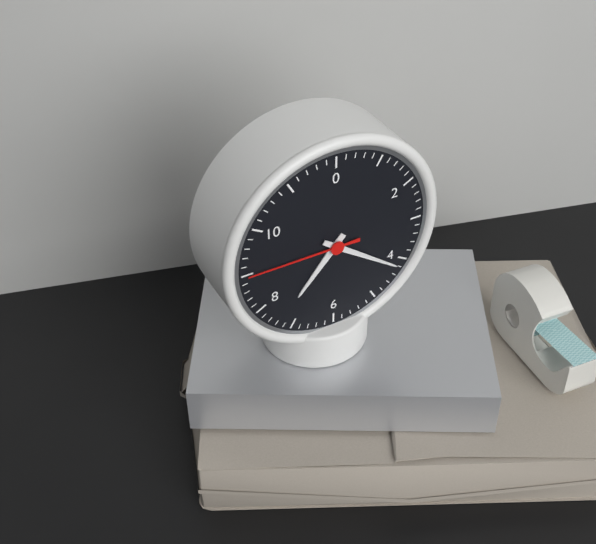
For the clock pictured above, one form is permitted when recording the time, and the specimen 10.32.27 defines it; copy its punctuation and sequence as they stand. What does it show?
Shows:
7.21.45
